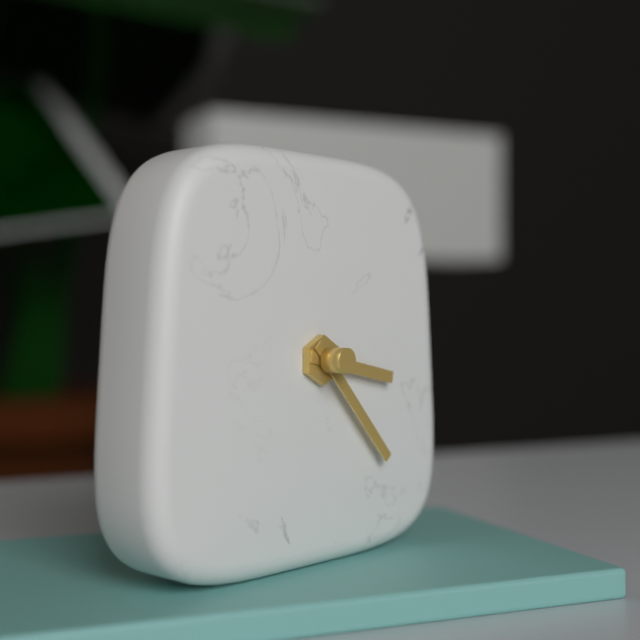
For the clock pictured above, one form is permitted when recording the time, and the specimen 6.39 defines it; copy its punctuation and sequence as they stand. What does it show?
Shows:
3.23
